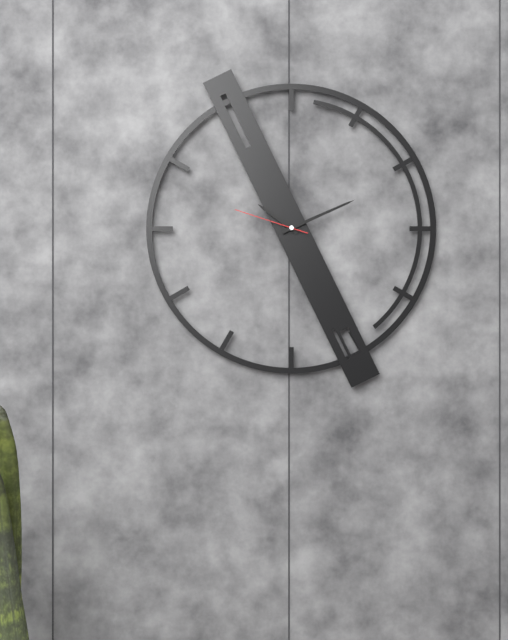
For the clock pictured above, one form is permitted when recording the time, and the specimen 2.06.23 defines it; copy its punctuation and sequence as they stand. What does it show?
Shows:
10.11.48
